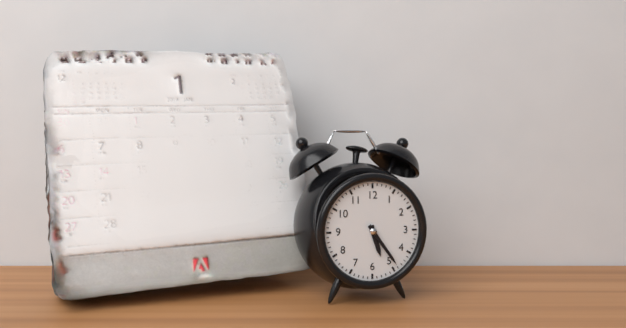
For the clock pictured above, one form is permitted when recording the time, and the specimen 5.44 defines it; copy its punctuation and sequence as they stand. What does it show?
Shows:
5.24
